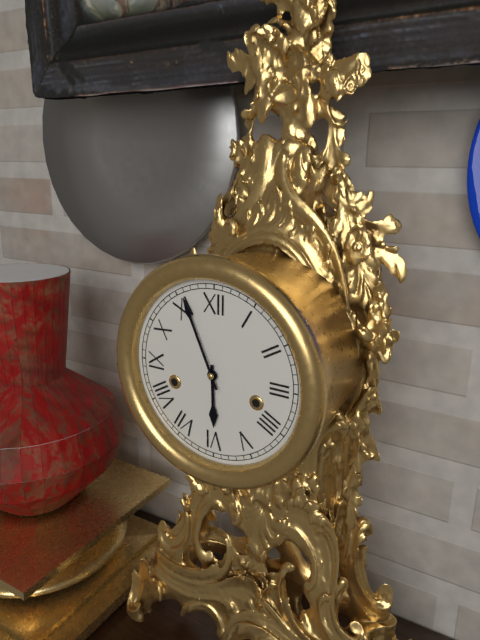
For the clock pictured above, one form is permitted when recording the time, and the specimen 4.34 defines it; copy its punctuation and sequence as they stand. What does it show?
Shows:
5.56
